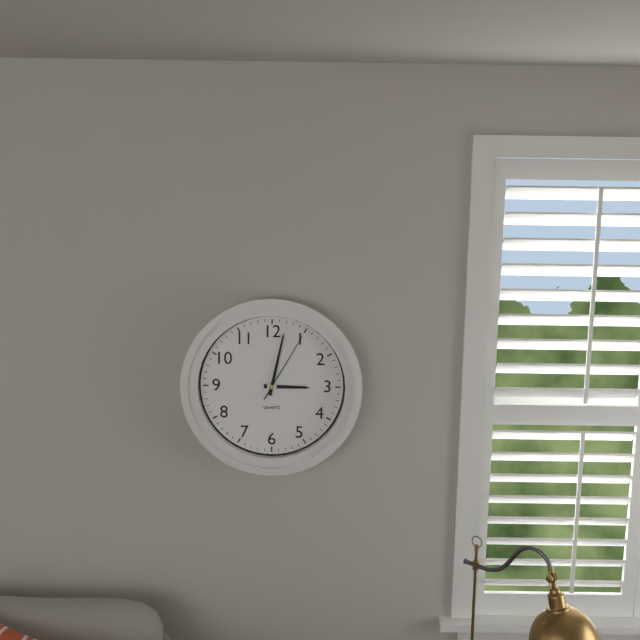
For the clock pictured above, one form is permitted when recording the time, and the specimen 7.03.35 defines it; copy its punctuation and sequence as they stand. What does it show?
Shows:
3.02.05
